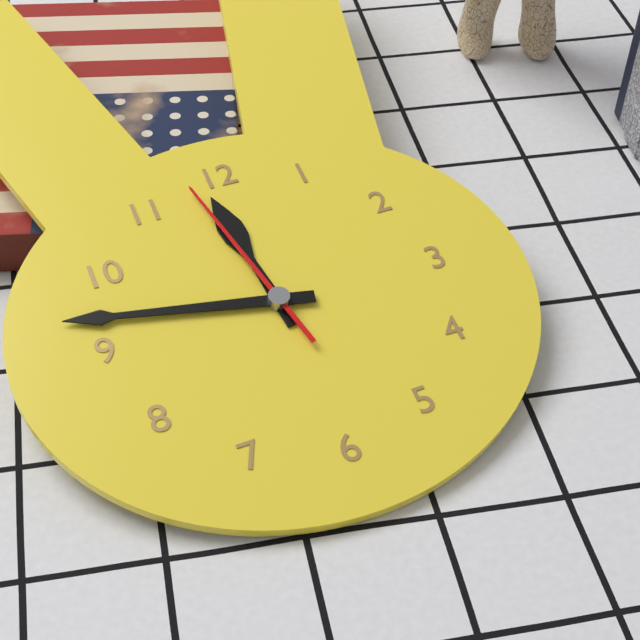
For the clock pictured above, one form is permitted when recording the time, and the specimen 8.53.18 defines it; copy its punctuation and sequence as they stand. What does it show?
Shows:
11.47.58
